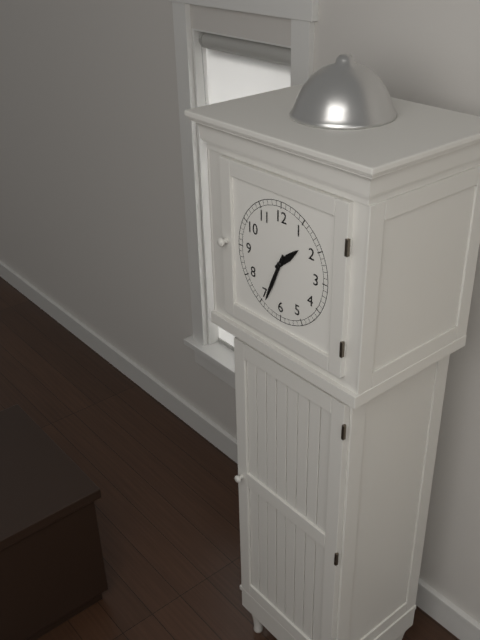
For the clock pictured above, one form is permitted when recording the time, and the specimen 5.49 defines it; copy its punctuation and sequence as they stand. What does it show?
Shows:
1.34
